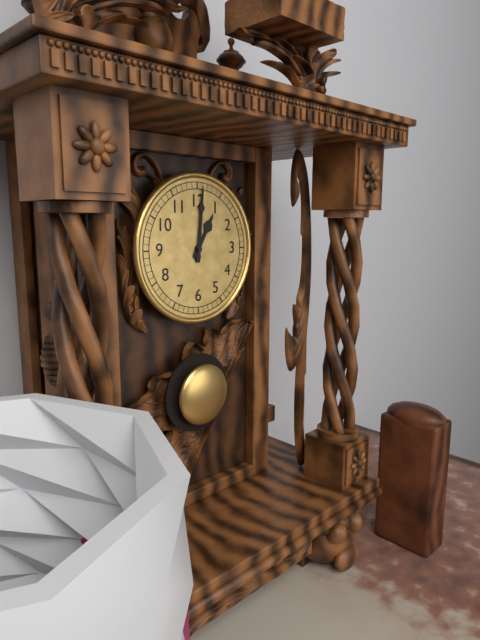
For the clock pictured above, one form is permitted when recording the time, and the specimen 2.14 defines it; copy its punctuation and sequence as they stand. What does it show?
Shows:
1.01
